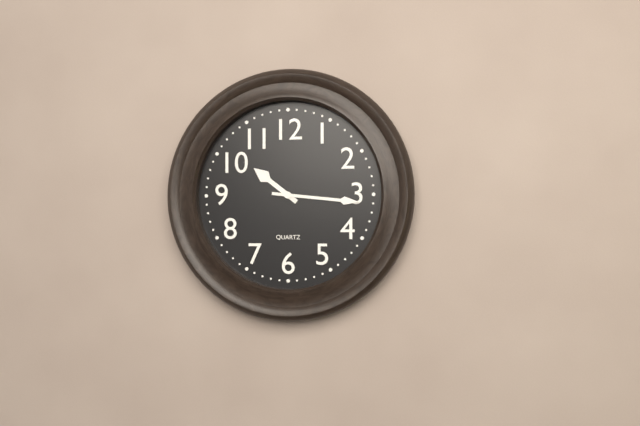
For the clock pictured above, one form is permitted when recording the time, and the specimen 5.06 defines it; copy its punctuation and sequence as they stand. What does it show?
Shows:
10.16
